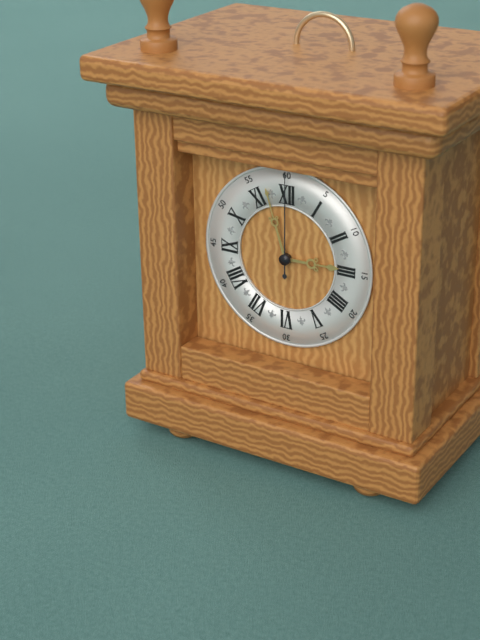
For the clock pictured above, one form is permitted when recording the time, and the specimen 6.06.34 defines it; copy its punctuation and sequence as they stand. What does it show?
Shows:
2.57.00
